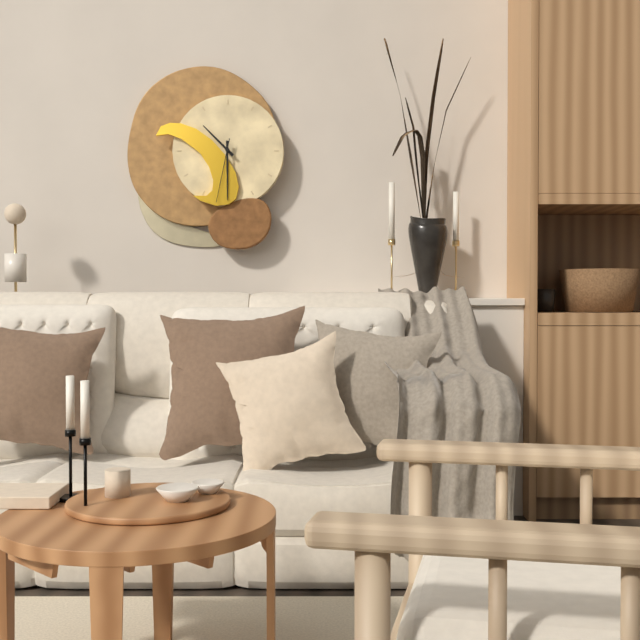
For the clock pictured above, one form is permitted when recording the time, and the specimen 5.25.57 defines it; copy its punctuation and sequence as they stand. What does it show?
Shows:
10.30.32
